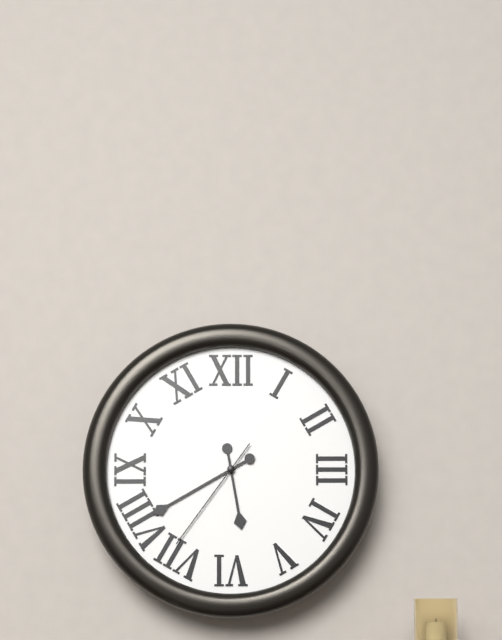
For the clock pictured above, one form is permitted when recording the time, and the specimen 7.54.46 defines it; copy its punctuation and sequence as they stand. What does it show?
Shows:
5.40.36
